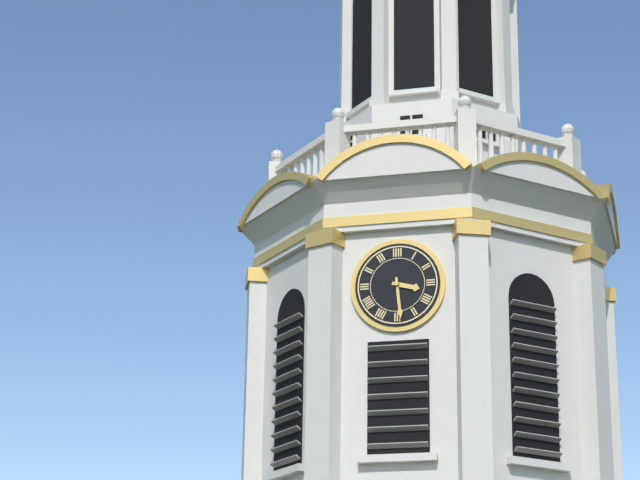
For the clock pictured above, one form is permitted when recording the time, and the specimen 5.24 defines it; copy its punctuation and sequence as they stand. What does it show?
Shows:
3.29
